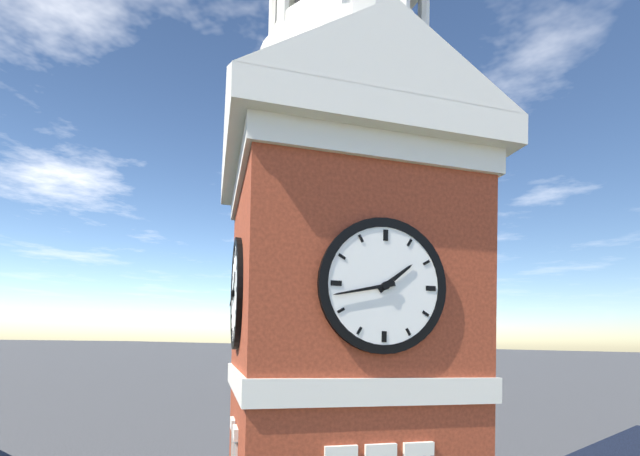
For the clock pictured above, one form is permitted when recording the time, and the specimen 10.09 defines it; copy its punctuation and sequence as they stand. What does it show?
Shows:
1.43
